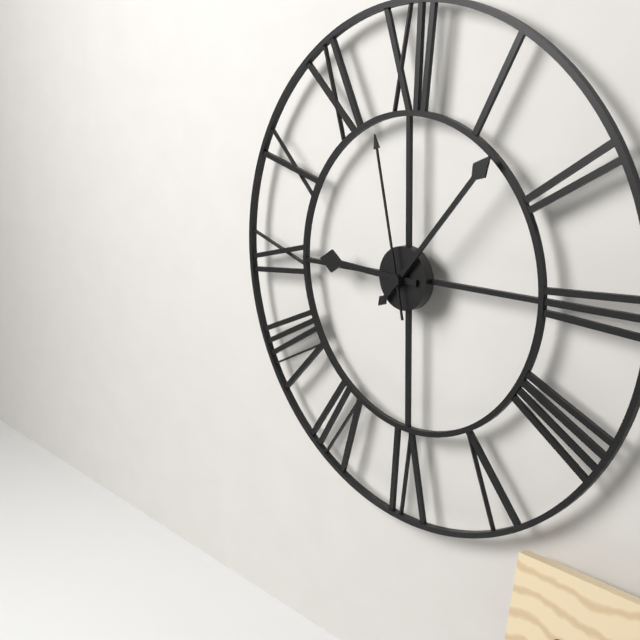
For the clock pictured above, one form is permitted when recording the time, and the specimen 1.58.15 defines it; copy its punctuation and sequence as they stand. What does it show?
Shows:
9.07.58
